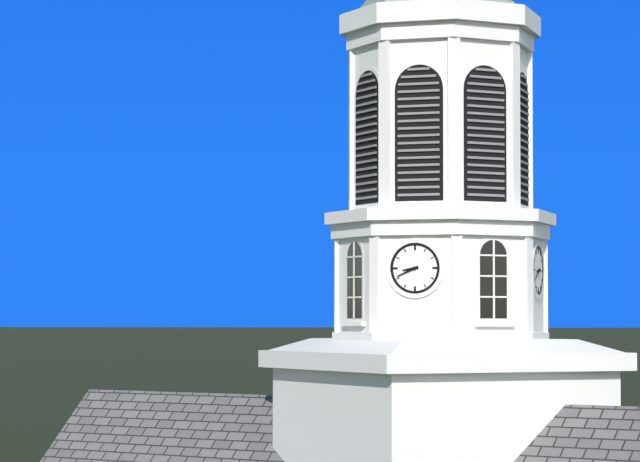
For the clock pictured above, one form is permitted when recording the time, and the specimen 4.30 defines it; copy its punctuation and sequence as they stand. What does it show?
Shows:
8.41
